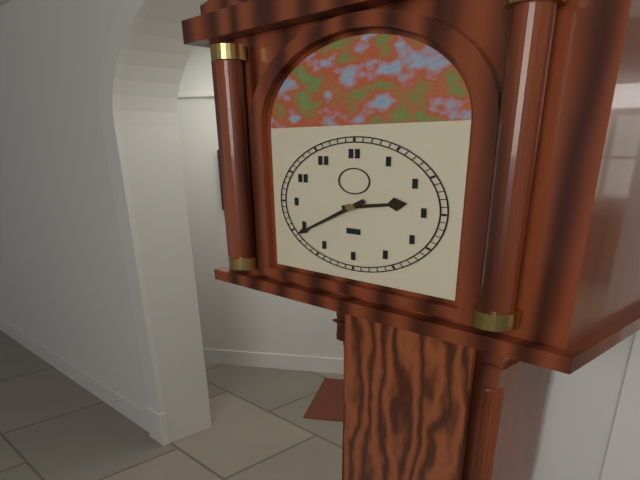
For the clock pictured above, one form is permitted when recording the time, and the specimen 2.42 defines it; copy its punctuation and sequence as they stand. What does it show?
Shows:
2.39
